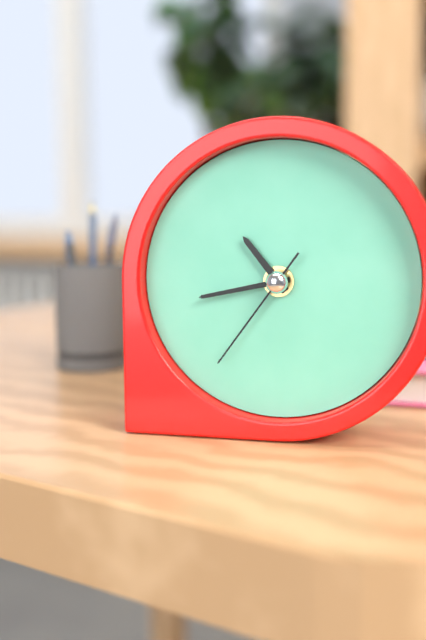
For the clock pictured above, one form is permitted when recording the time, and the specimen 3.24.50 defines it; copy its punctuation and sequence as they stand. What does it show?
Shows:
10.43.36
